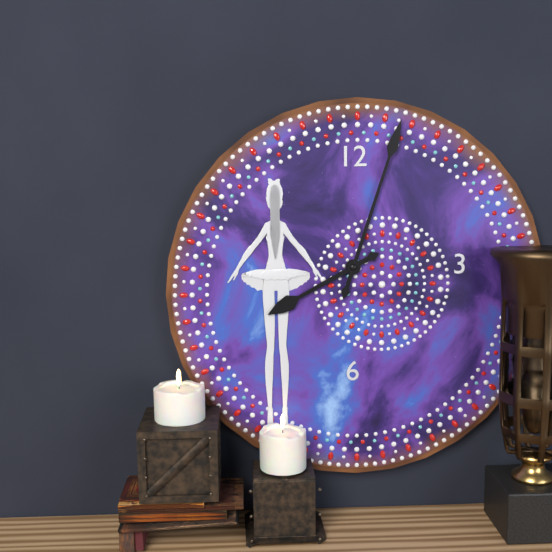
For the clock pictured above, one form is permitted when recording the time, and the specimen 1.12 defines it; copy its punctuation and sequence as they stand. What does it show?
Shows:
8.03
